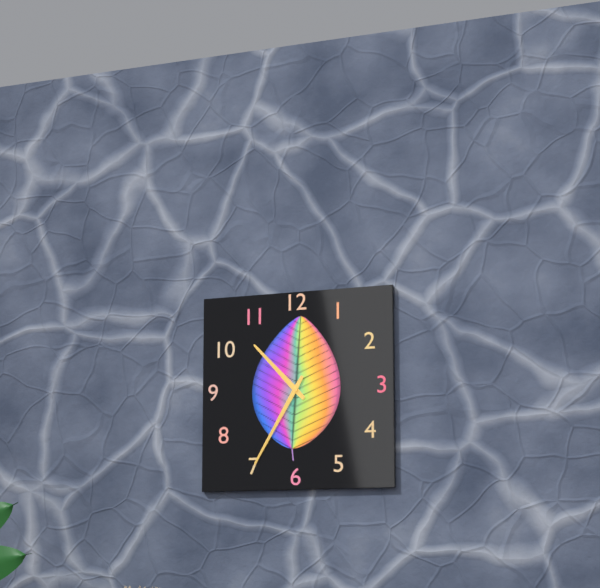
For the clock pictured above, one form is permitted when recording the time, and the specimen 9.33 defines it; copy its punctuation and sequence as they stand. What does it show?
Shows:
10.35
